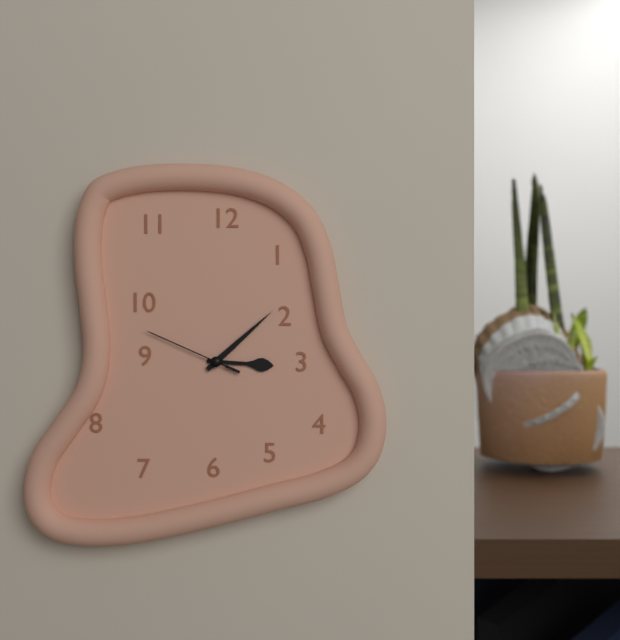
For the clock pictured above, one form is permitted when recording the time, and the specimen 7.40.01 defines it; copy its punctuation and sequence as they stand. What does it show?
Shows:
3.08.49
